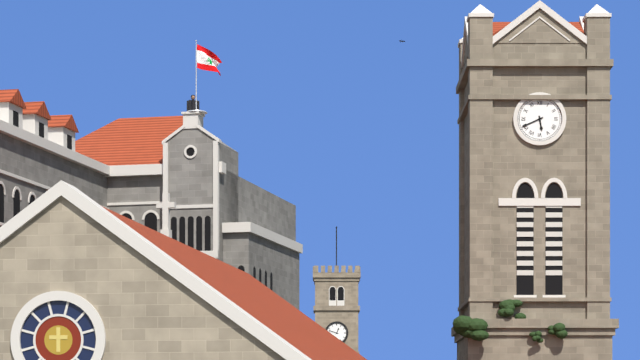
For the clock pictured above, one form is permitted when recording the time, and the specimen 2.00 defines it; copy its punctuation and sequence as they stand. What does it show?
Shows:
5.41
